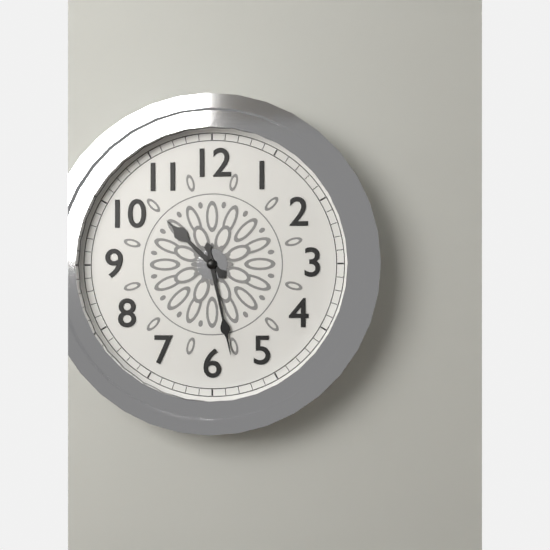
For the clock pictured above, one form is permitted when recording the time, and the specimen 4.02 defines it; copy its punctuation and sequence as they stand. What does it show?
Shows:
10.28
